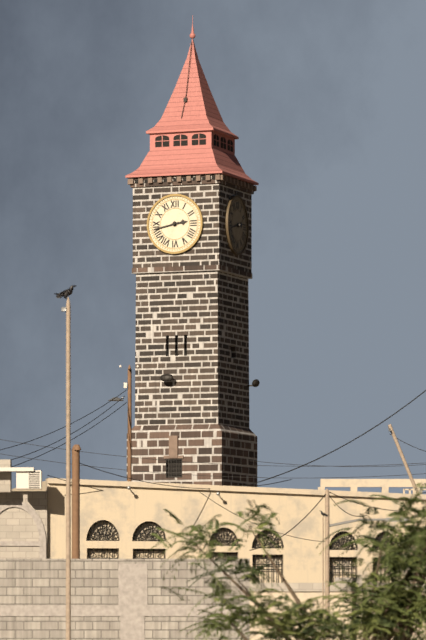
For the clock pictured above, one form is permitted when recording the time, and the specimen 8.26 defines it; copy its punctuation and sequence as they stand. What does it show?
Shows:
2.43
